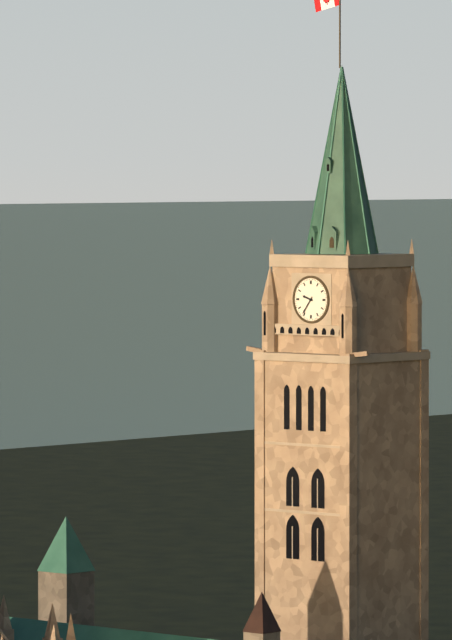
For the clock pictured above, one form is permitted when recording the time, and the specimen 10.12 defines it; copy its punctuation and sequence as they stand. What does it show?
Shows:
9.36
